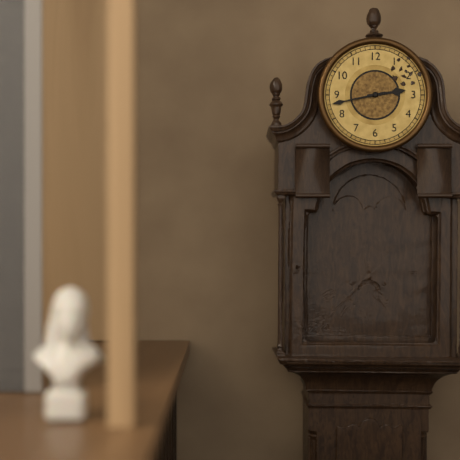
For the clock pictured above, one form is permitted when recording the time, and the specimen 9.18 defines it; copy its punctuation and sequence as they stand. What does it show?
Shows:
2.43
